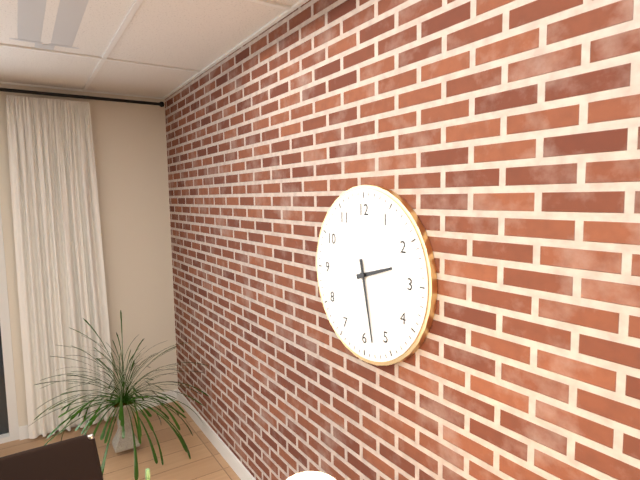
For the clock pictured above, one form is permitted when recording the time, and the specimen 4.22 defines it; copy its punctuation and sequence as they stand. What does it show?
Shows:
2.28
